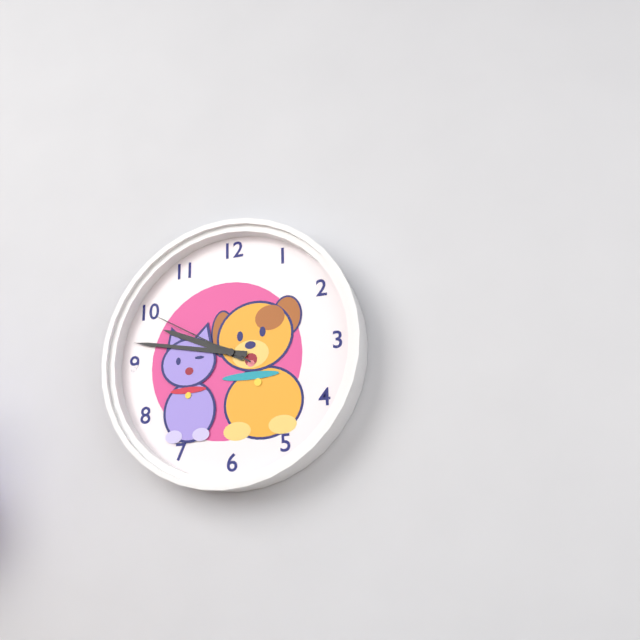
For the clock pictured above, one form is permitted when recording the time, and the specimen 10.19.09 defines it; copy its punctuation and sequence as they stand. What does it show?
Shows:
9.47.50
